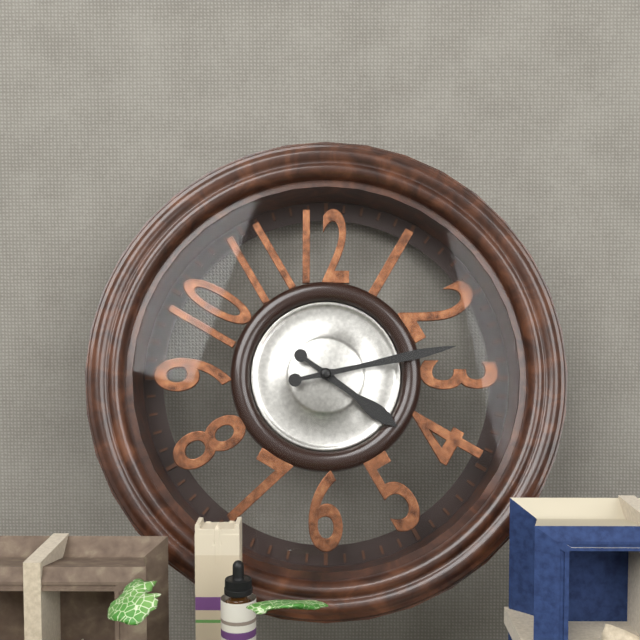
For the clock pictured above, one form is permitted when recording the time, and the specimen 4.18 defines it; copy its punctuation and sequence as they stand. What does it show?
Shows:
4.13
